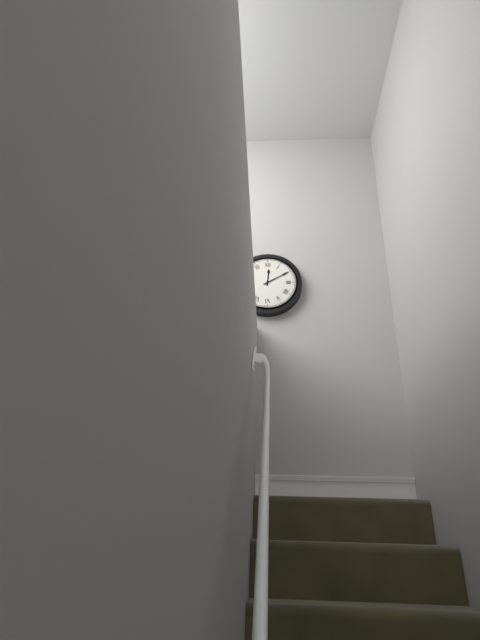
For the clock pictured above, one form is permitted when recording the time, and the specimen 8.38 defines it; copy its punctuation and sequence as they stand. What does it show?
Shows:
12.10
